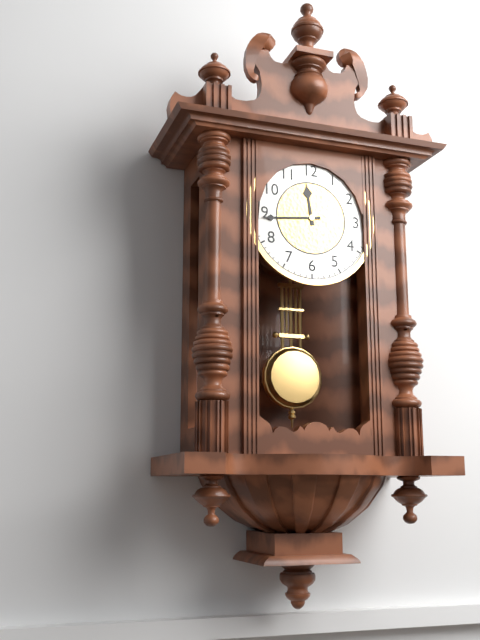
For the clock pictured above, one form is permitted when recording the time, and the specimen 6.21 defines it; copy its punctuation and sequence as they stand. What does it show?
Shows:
11.44
